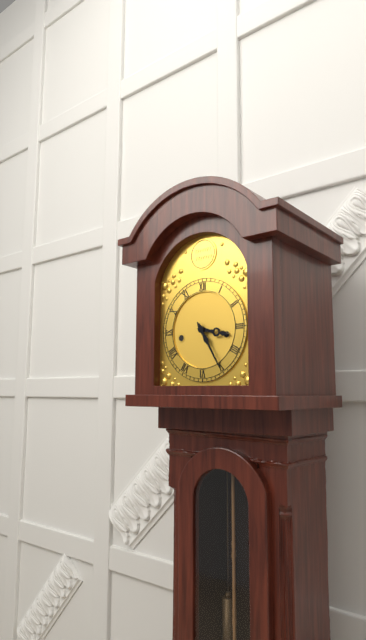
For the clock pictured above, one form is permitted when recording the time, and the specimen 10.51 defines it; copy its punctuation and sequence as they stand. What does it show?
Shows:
3.25
